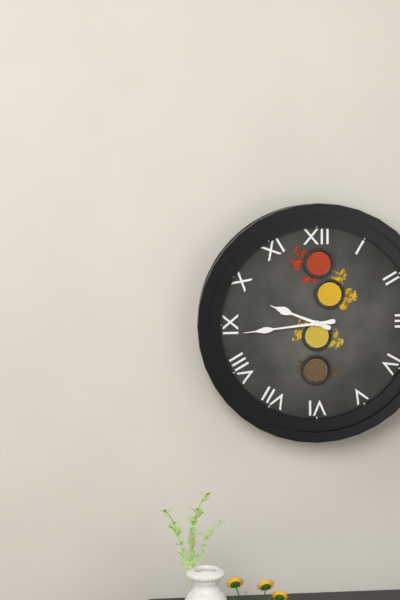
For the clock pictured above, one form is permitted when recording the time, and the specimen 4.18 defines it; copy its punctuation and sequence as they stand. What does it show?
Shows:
9.44
